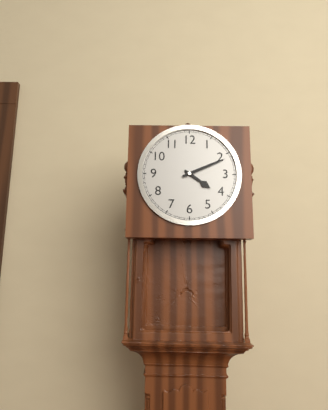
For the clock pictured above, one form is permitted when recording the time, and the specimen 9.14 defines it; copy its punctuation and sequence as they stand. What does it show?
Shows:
4.11
